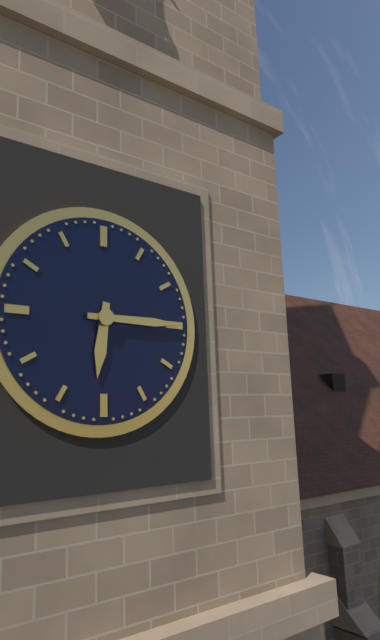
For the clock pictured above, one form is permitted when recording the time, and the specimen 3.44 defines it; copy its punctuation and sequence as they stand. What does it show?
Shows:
6.15
